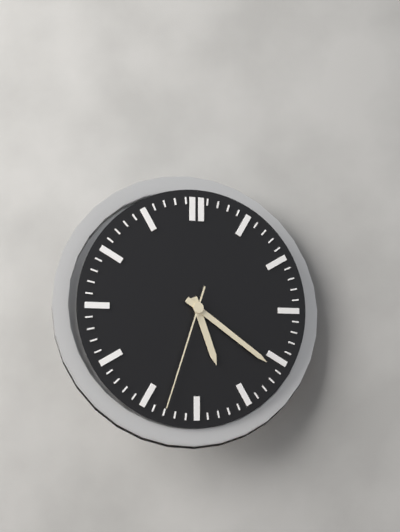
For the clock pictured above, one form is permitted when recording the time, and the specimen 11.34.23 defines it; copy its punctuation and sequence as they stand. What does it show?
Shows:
5.21.33
